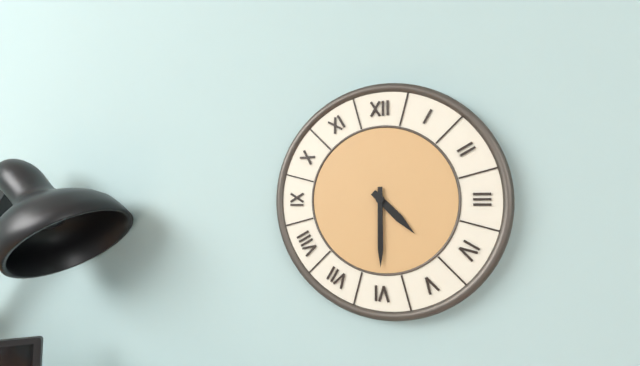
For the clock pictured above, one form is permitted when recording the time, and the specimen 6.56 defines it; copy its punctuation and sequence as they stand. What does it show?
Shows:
4.30
